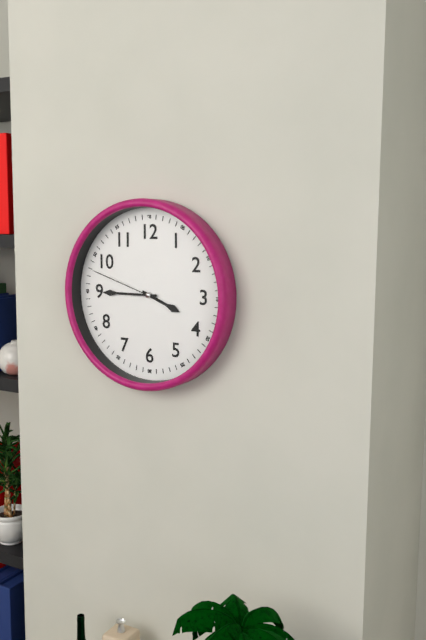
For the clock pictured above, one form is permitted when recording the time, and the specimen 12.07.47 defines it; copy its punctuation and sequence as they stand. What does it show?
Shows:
3.45.48
